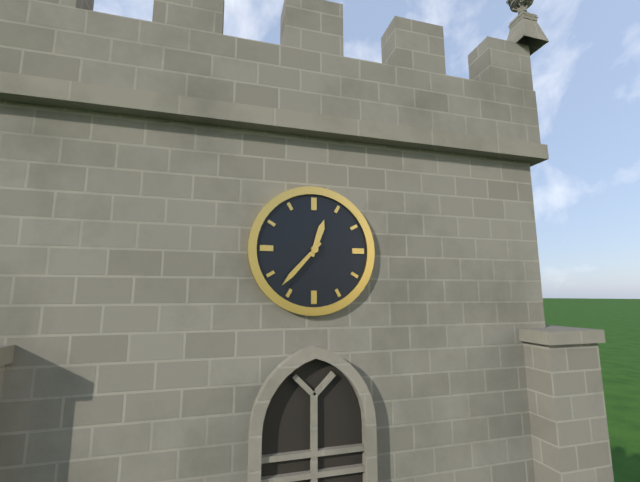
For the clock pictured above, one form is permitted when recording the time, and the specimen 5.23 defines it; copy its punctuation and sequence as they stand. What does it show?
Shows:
12.37
